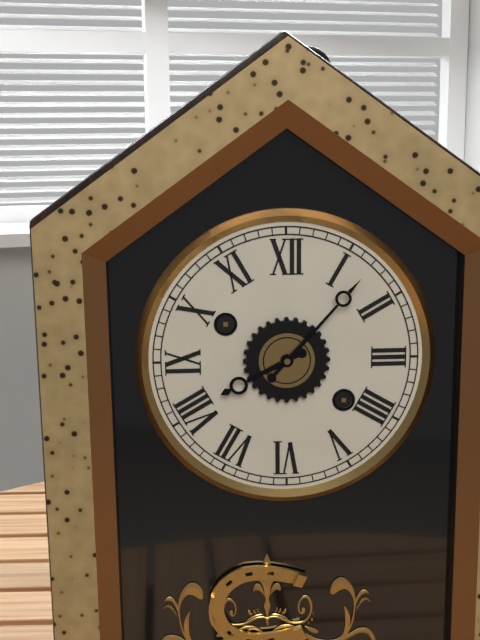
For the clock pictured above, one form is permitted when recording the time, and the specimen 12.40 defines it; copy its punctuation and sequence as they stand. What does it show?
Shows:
8.07
